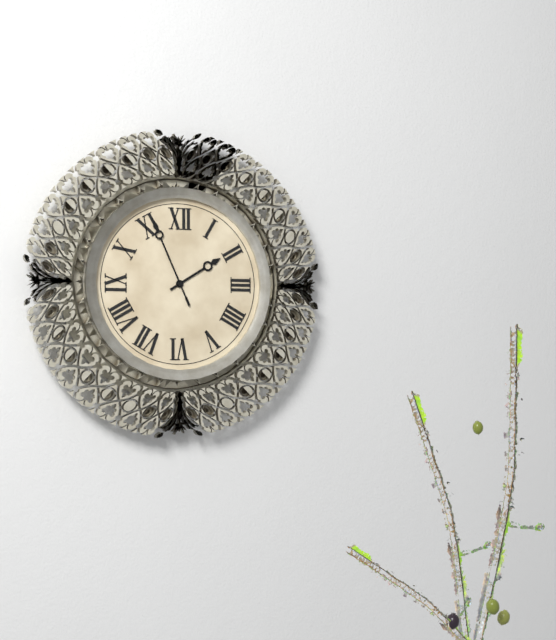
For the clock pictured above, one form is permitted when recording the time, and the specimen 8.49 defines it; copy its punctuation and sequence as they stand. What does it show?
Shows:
1.56
